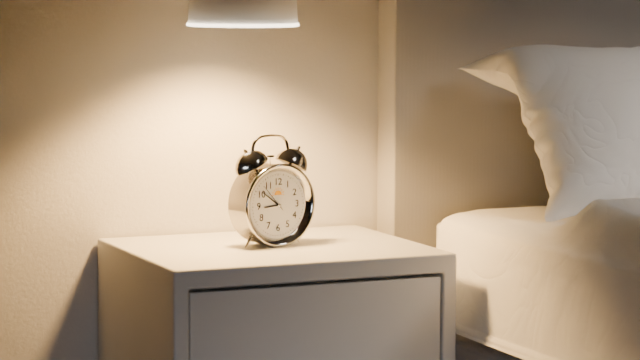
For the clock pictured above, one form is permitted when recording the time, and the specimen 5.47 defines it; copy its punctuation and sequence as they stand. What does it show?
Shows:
8.51
